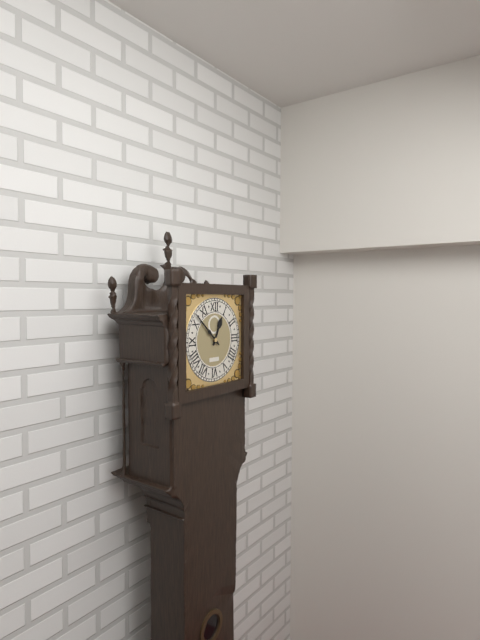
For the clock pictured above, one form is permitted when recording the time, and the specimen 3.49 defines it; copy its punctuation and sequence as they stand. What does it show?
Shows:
12.52
